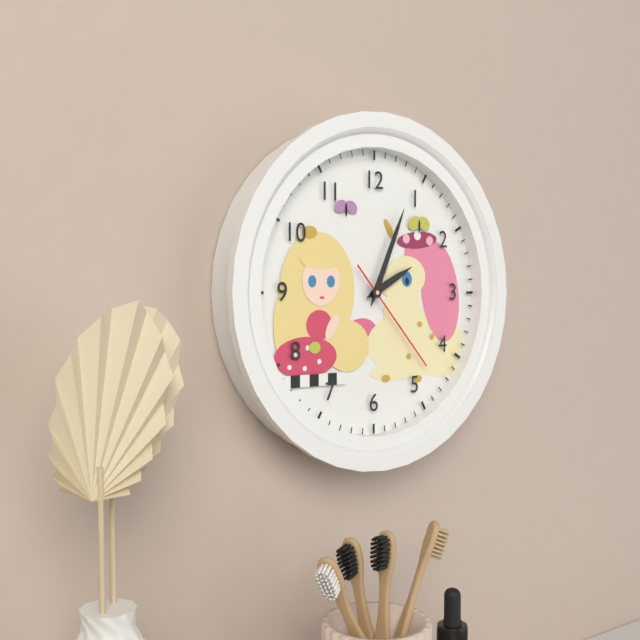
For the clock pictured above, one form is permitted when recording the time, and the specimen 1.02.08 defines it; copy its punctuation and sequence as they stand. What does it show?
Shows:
2.04.23
